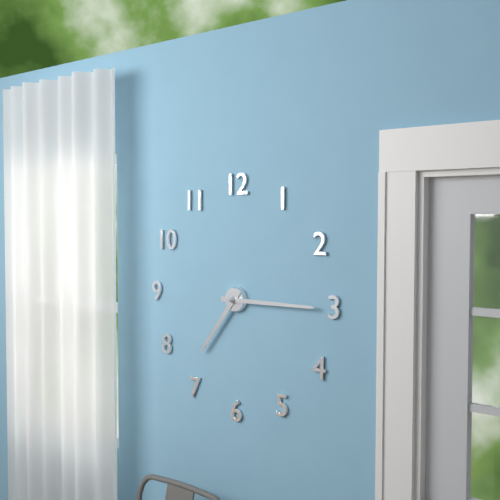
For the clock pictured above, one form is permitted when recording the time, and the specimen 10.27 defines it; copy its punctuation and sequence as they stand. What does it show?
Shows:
7.15
